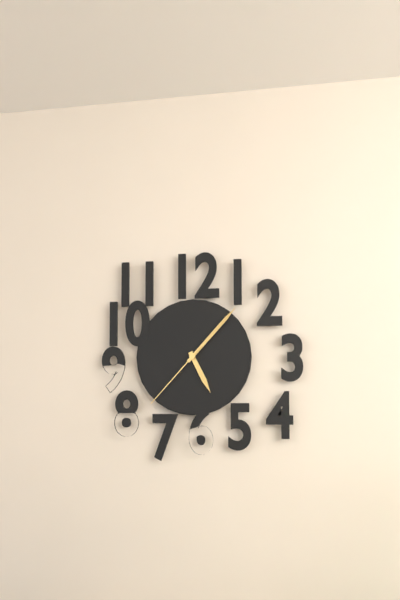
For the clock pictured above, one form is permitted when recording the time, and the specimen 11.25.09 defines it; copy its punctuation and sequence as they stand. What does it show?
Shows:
5.07.37
